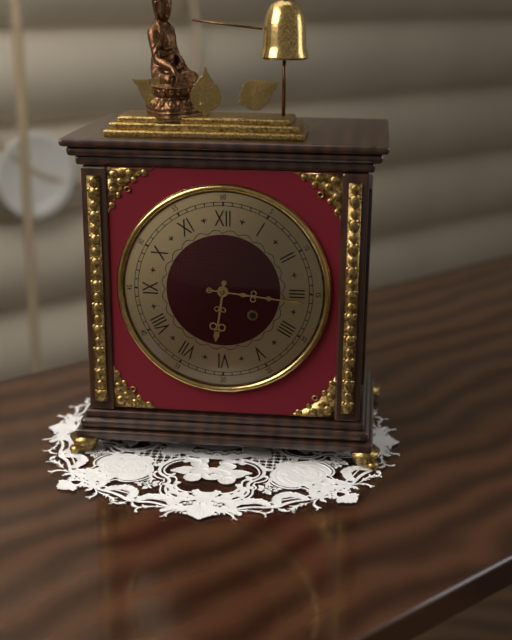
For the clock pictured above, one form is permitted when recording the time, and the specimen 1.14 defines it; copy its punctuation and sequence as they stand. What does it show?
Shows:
6.16
